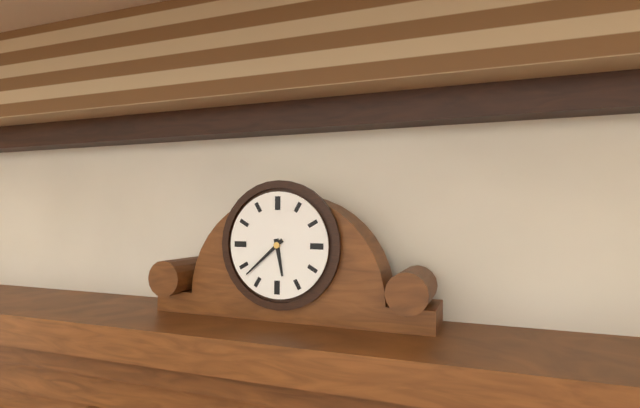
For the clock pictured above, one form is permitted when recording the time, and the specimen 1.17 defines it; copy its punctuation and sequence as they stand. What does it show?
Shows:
5.38
